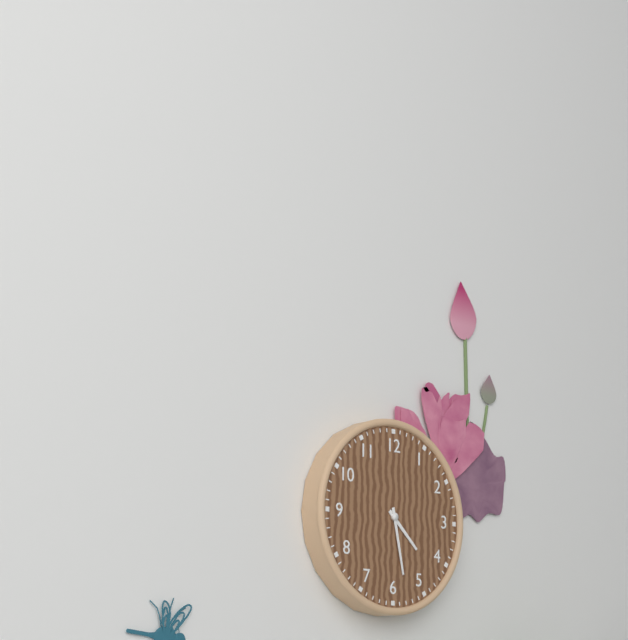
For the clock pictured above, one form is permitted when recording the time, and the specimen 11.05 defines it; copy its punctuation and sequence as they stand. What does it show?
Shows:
4.28
